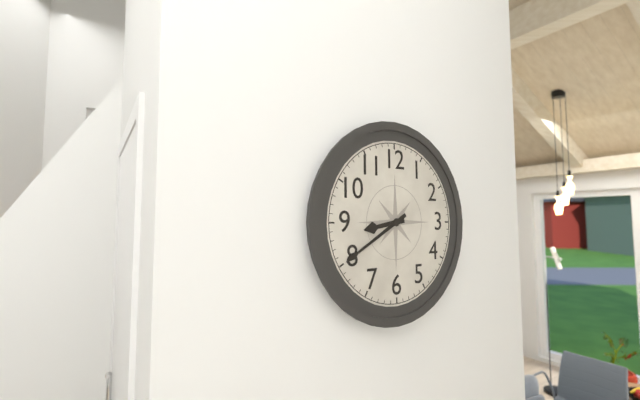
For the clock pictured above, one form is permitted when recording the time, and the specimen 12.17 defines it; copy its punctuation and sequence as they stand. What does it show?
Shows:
8.40
